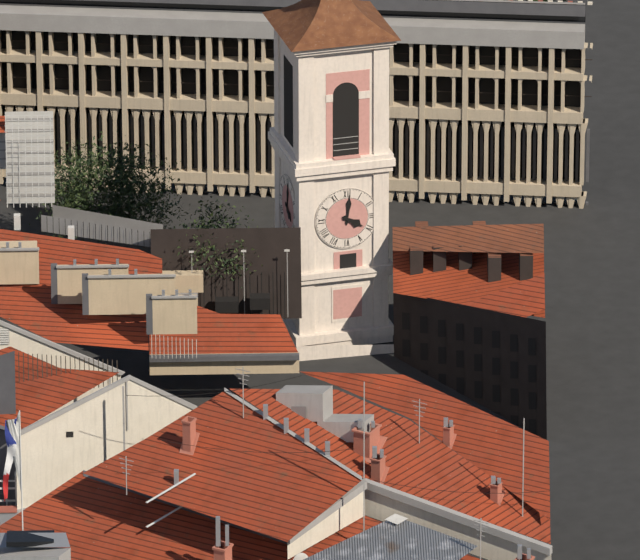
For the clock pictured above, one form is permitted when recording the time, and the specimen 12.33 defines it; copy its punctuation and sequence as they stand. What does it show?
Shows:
4.01
